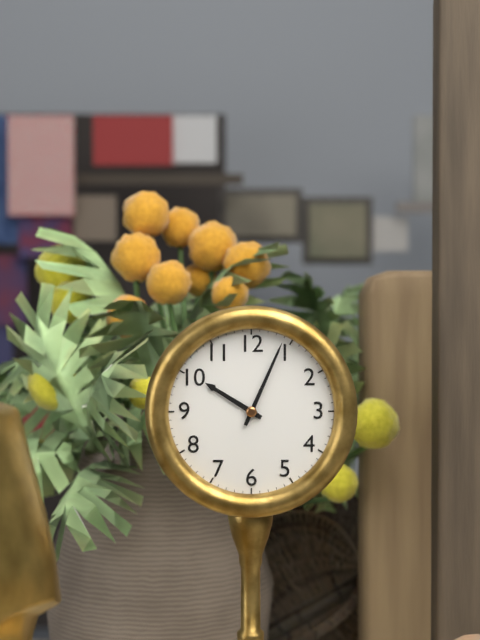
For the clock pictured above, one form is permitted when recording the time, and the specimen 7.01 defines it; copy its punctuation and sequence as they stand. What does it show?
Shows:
10.04
